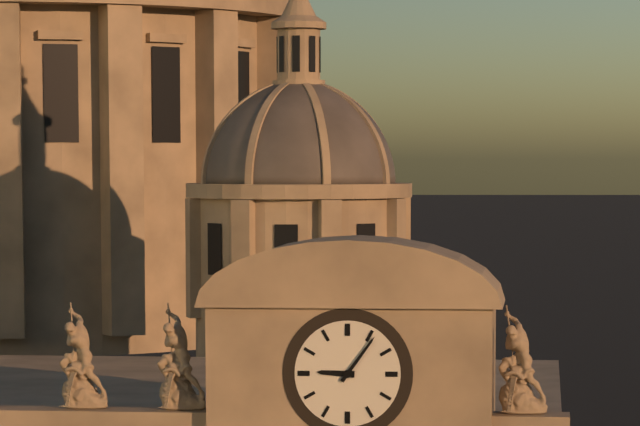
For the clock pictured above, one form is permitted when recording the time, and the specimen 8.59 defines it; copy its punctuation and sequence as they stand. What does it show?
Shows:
9.06
